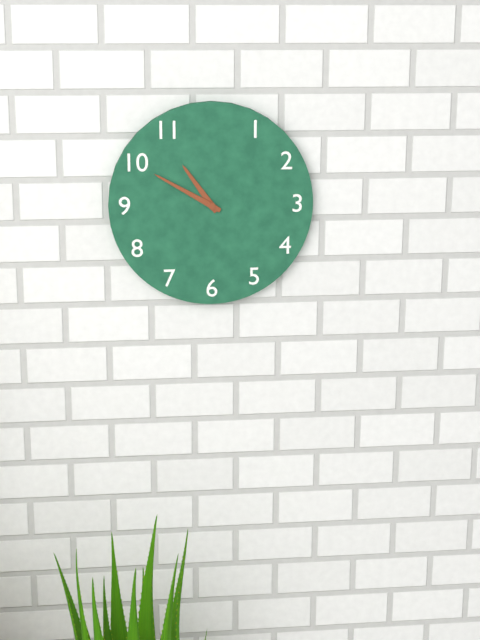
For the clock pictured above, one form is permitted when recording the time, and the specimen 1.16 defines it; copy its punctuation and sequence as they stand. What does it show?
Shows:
10.50
